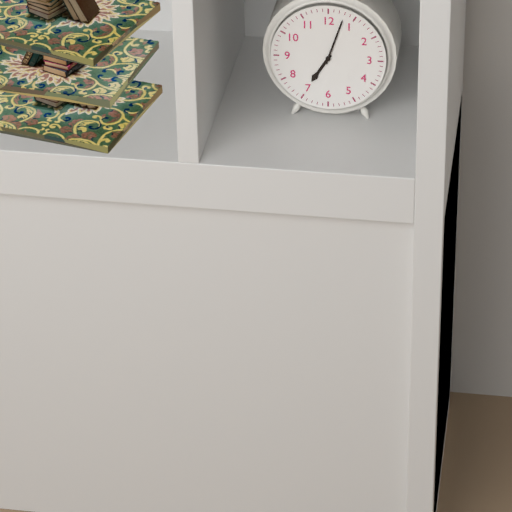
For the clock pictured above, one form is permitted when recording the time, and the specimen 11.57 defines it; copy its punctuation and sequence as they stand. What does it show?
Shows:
7.03
